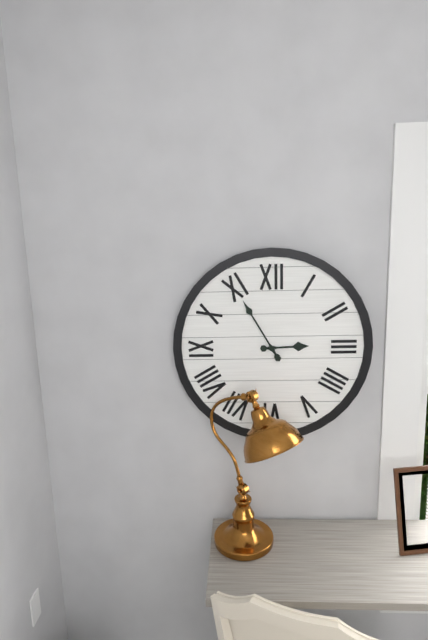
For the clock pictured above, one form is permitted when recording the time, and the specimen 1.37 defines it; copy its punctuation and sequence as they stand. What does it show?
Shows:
2.55
